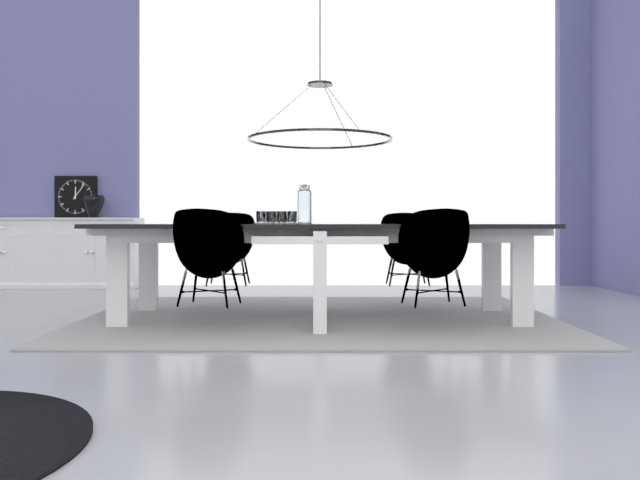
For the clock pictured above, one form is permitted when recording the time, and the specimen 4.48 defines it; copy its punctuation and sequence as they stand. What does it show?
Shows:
12.06
